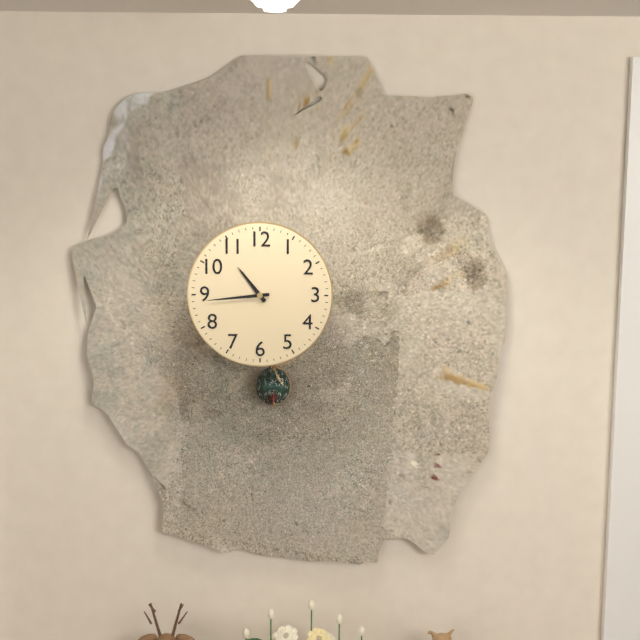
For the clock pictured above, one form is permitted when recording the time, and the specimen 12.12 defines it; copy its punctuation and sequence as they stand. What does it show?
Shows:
10.44
